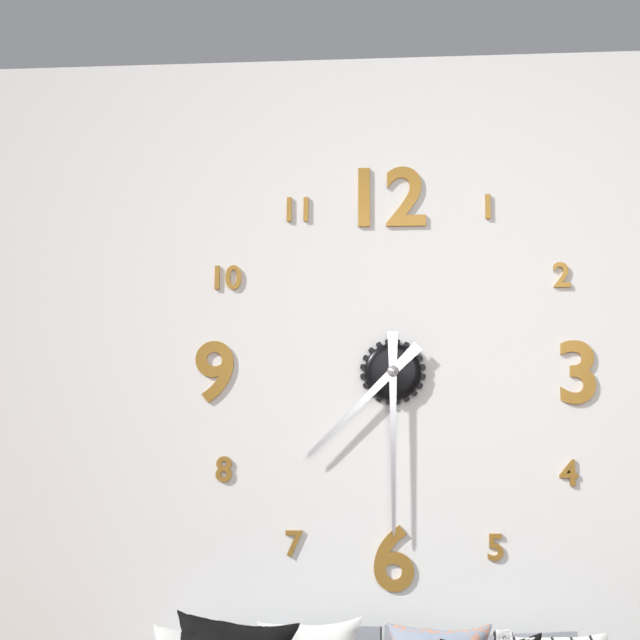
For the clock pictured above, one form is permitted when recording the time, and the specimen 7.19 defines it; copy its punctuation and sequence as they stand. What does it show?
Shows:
7.30
